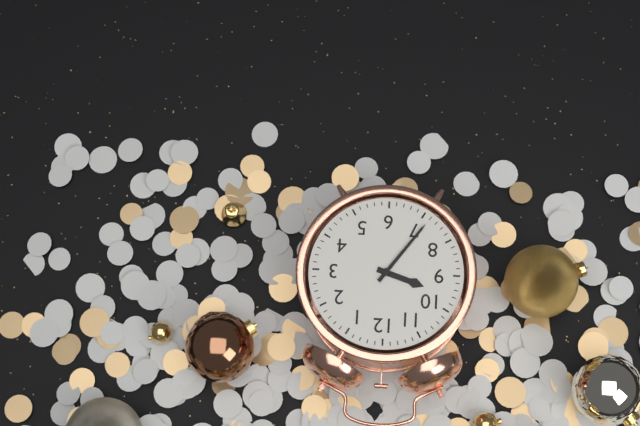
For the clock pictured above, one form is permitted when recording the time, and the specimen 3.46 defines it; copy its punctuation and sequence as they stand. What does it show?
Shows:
9.36
